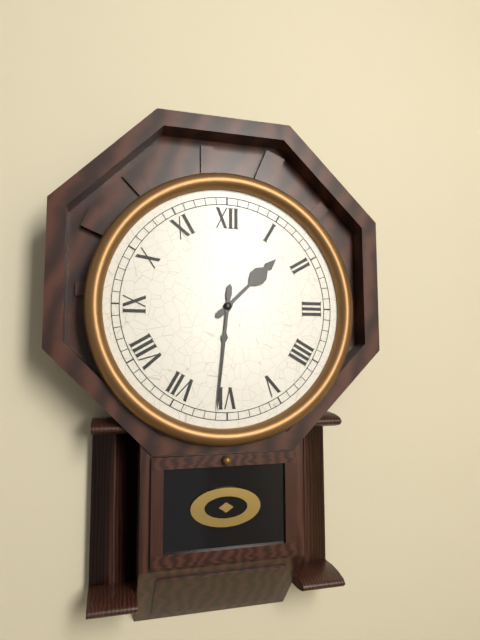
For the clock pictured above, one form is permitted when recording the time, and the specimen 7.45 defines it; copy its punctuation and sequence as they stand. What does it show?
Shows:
1.31
